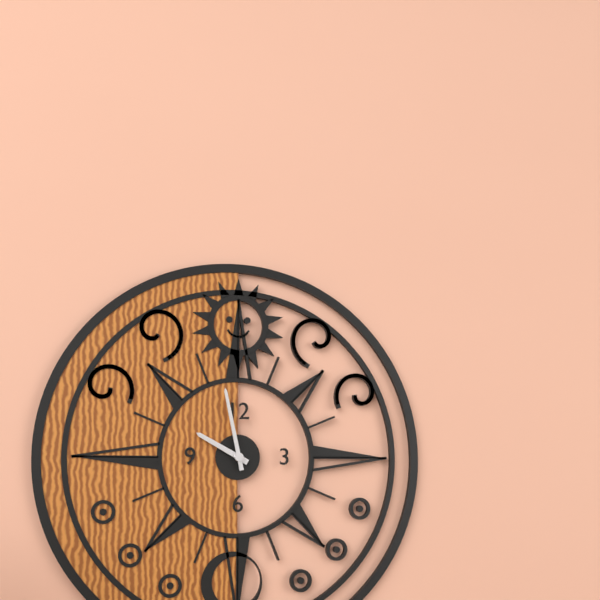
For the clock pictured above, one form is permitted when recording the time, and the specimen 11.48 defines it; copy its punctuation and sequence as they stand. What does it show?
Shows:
9.58
